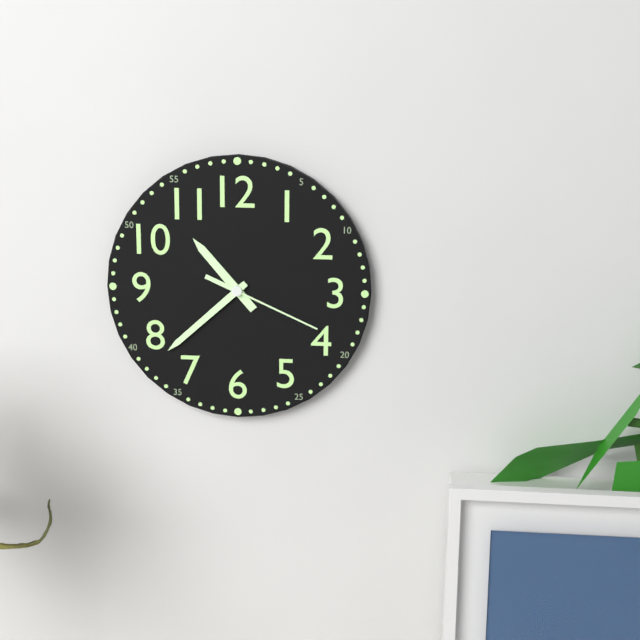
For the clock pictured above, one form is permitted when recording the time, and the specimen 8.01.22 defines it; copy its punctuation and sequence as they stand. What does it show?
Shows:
10.38.19
